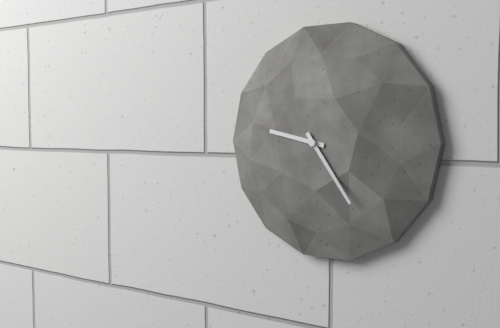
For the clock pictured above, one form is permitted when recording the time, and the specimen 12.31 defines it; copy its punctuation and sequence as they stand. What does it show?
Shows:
9.24
